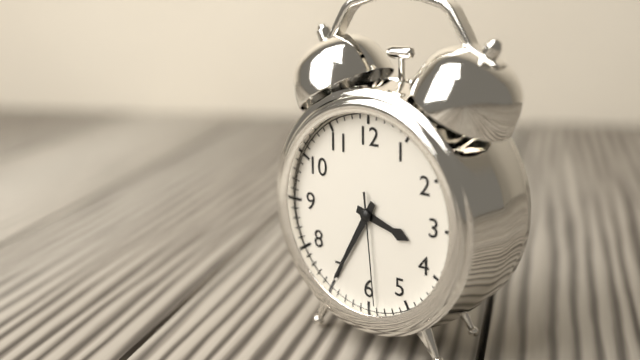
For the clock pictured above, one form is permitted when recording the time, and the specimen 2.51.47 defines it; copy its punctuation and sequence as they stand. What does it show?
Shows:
3.35.29
